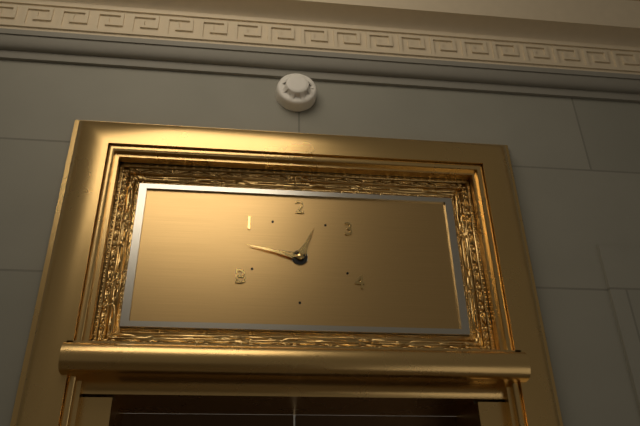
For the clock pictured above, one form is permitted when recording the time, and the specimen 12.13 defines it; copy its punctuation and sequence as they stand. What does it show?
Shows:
12.47
